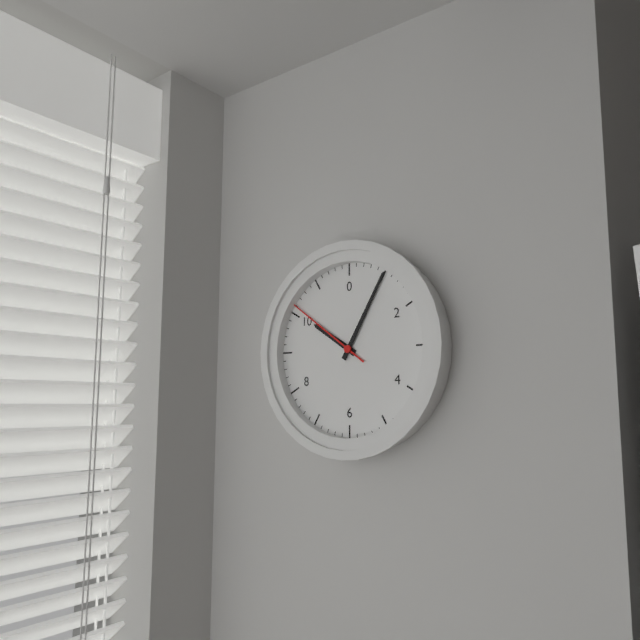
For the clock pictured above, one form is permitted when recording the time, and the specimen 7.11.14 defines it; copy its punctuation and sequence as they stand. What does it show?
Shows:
10.05.51
